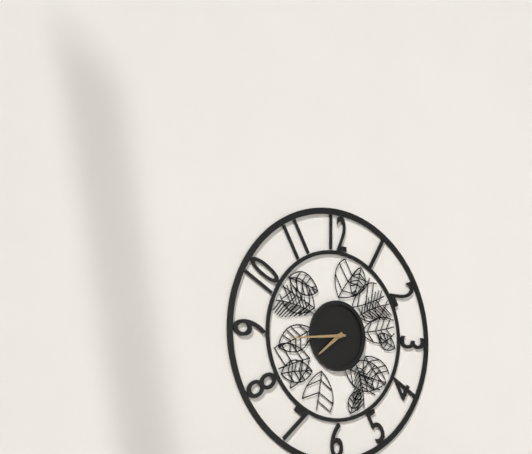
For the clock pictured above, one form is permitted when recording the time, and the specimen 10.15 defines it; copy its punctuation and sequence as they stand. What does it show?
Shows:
7.44
